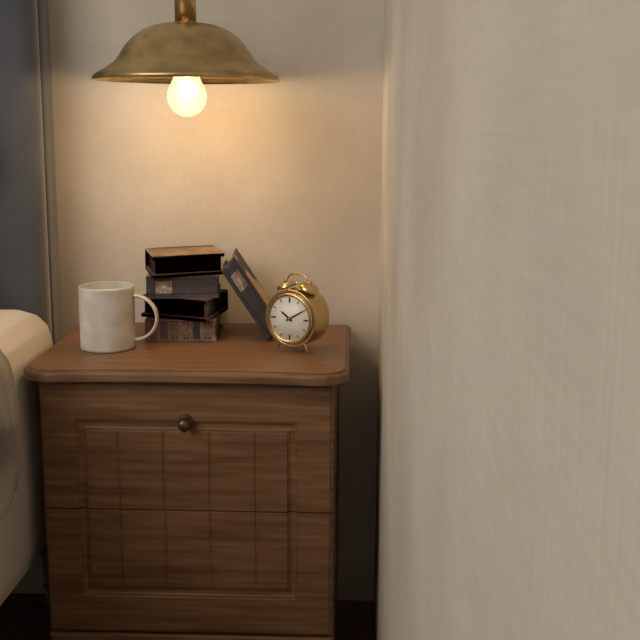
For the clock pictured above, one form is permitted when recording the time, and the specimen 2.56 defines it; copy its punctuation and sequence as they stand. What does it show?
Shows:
10.10
